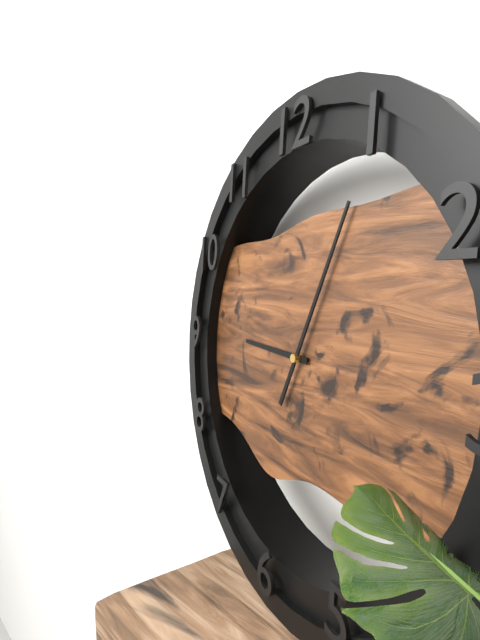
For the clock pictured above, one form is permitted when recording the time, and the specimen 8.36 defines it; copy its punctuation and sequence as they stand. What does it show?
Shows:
9.04
